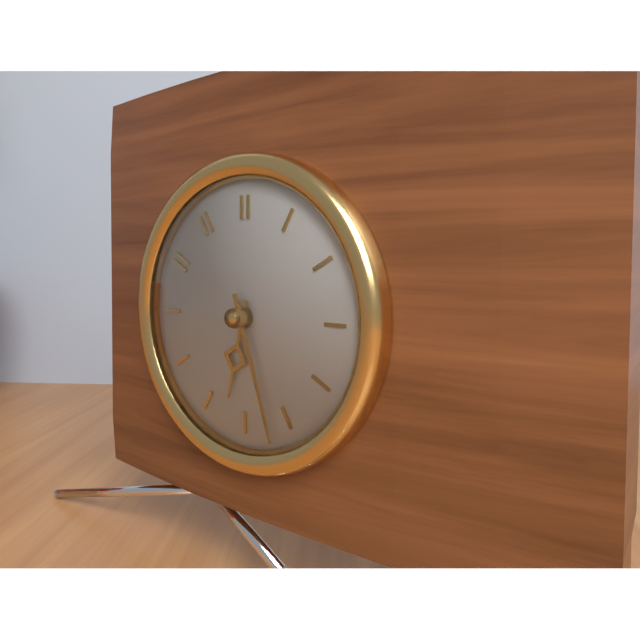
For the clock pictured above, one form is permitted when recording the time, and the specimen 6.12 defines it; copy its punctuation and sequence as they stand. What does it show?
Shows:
6.27
